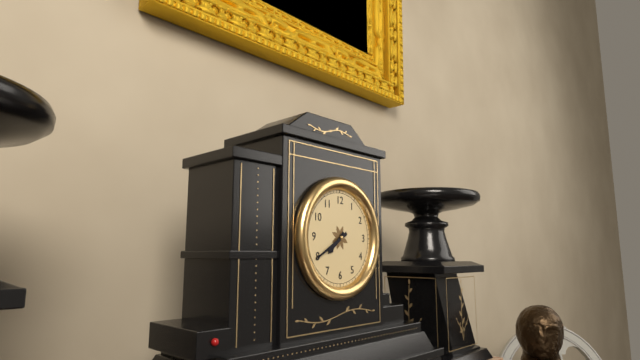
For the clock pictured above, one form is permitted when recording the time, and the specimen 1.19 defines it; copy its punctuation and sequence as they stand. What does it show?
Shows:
7.40
